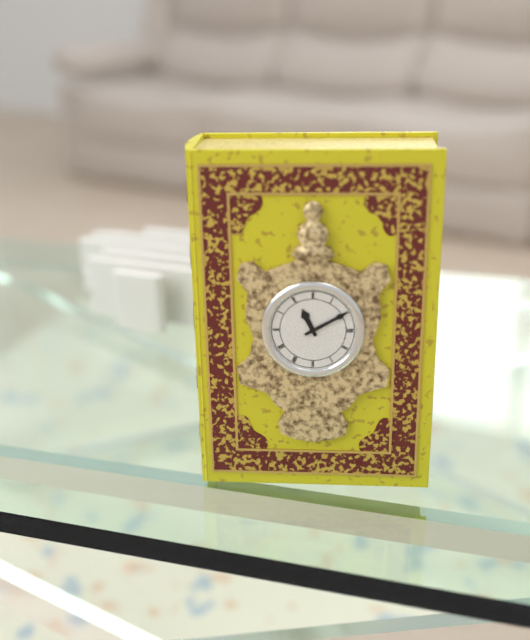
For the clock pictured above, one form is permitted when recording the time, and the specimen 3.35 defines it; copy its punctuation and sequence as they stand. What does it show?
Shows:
11.10
